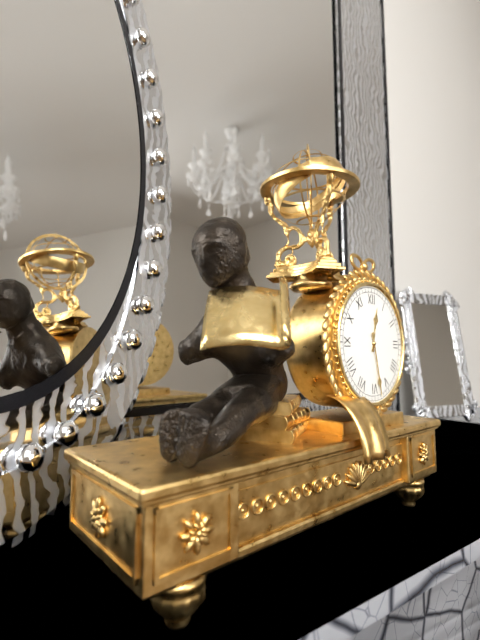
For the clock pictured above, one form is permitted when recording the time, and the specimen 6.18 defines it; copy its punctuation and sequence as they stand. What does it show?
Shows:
12.28
